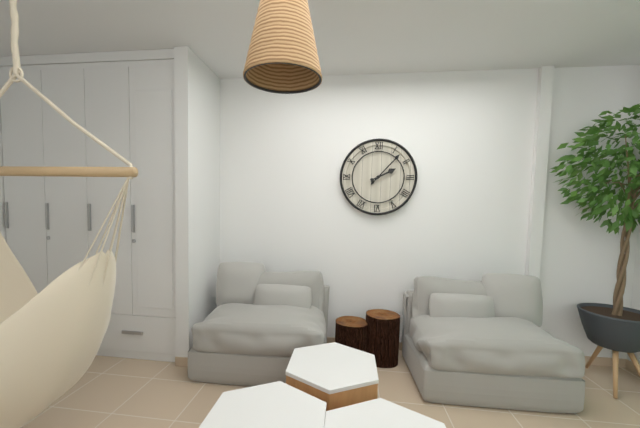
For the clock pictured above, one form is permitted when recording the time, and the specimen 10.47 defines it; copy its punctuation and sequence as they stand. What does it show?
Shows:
2.07
